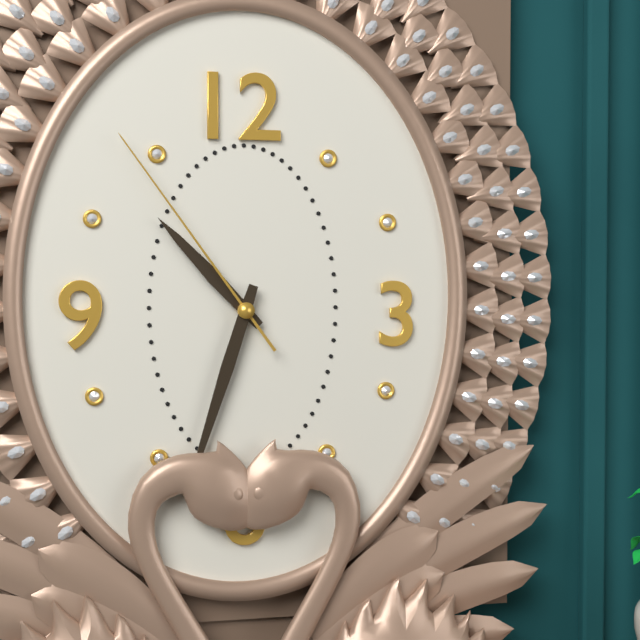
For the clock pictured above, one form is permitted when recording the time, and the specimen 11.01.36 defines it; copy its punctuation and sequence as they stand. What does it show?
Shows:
10.33.54
